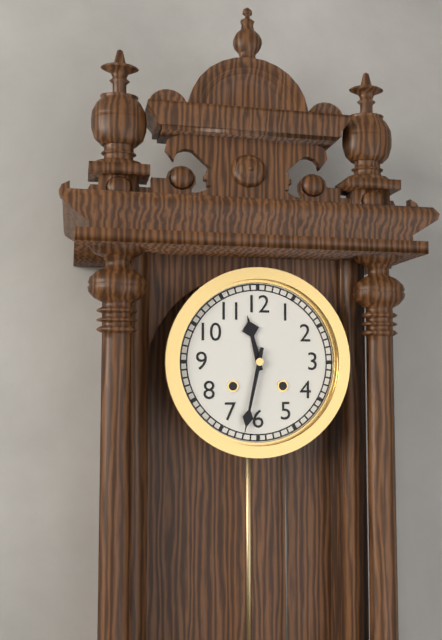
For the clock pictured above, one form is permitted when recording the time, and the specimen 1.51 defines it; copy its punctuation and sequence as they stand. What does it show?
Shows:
11.32
